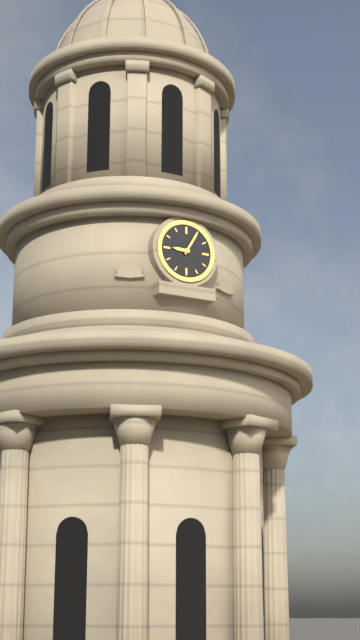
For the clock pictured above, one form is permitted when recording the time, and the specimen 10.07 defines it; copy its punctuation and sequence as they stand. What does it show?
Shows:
9.05
